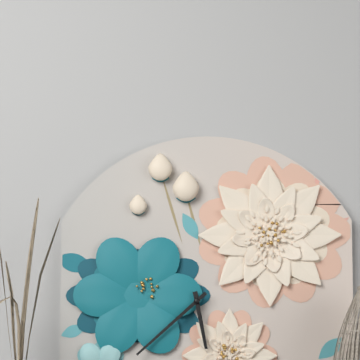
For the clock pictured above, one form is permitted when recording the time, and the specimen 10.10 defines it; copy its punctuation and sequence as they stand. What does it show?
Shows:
5.38
